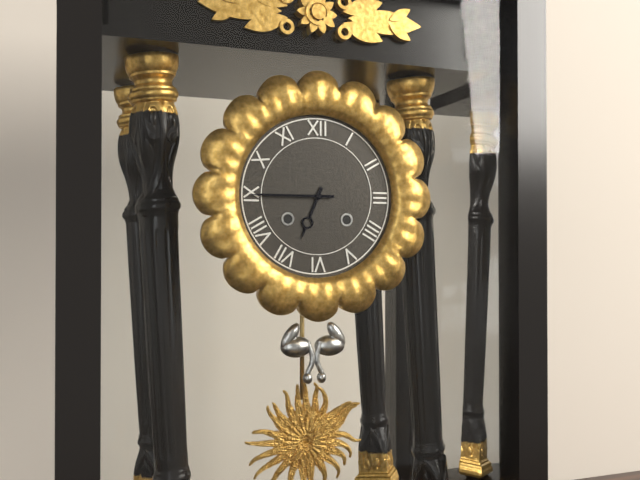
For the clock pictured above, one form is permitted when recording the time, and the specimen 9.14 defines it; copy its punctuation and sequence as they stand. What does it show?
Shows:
6.45
